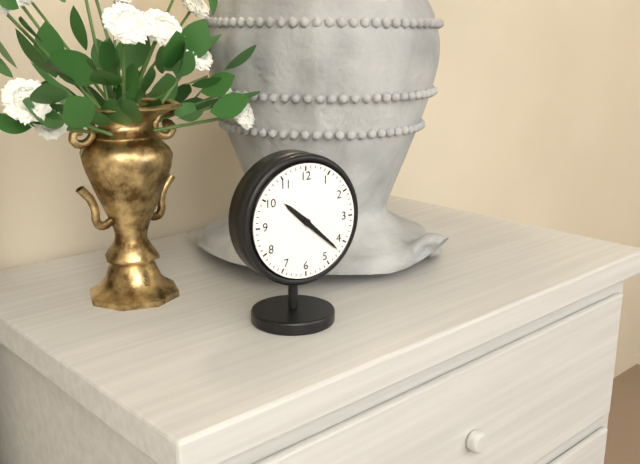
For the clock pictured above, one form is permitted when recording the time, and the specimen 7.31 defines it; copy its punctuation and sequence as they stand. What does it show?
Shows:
10.22
